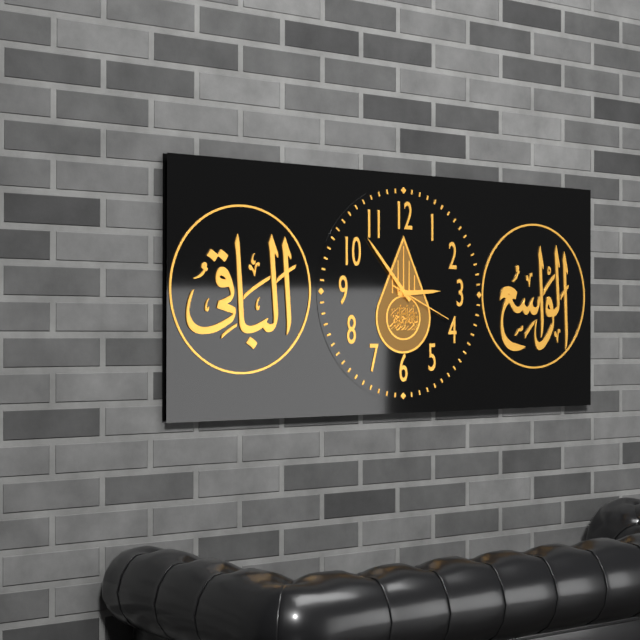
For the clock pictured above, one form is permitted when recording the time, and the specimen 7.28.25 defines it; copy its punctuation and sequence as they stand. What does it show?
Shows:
2.53.19
